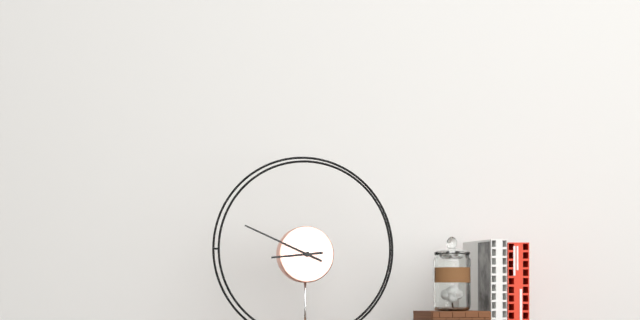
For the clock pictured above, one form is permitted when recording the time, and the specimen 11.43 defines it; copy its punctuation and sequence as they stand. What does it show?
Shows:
8.49
